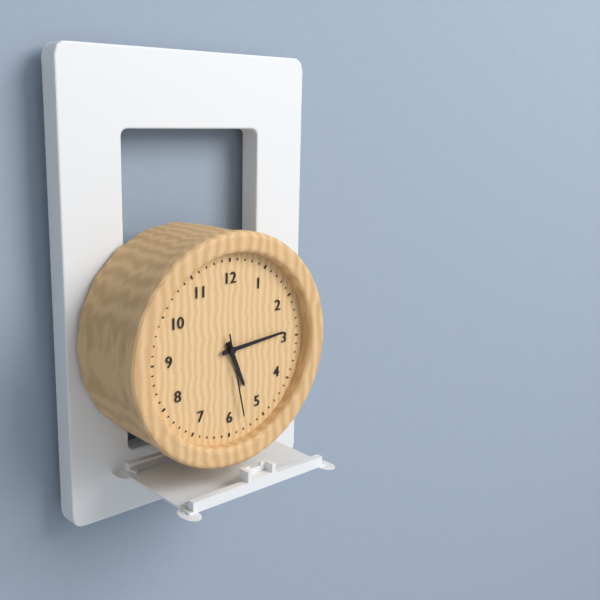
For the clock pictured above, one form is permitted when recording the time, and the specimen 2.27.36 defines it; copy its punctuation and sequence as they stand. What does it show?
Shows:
5.14.28
